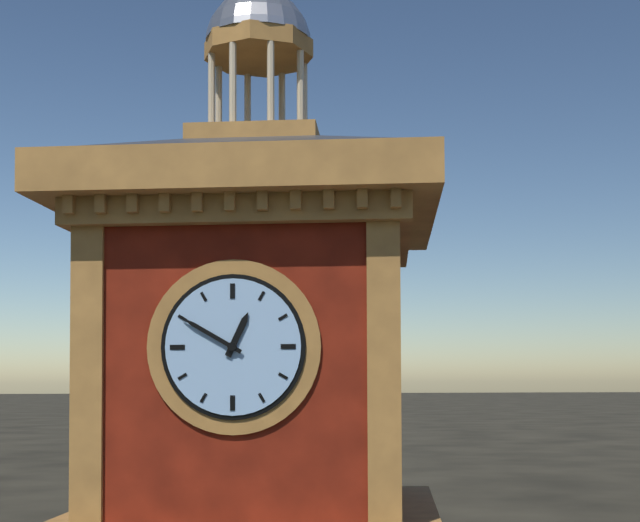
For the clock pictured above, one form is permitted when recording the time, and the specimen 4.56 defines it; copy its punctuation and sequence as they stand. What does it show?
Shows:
12.50
